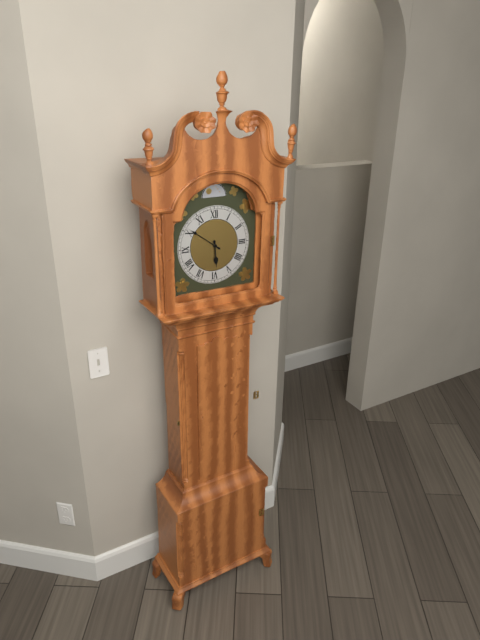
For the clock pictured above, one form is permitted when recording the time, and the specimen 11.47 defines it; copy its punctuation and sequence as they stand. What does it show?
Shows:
5.51
